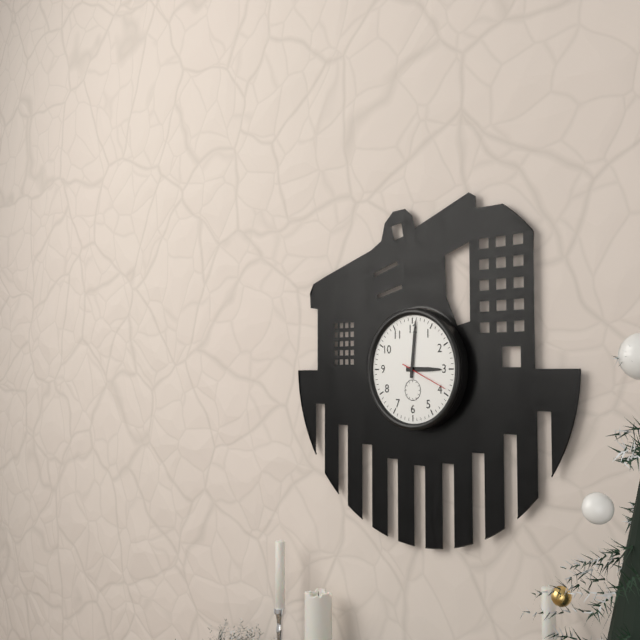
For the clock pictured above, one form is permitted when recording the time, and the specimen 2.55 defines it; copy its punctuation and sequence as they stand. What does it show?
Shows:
3.01
